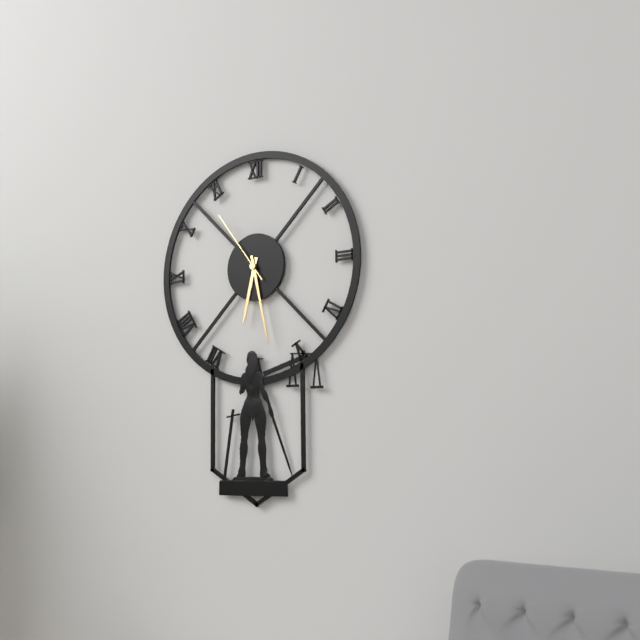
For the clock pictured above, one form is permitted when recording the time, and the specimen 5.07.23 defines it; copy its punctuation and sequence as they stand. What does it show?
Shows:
6.28.54
